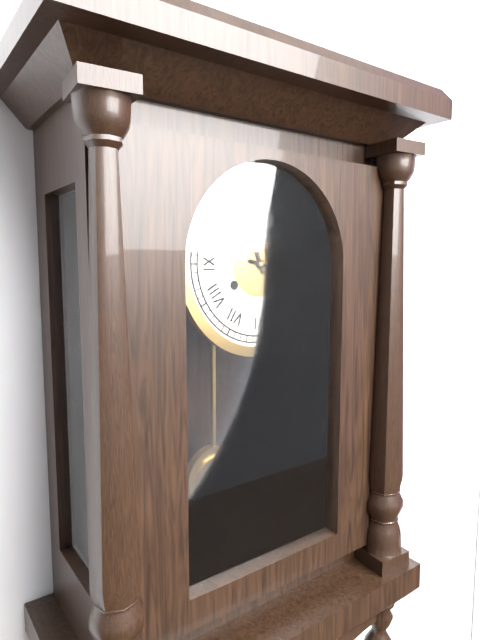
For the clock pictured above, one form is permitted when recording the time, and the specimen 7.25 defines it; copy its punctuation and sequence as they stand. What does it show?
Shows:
11.17
